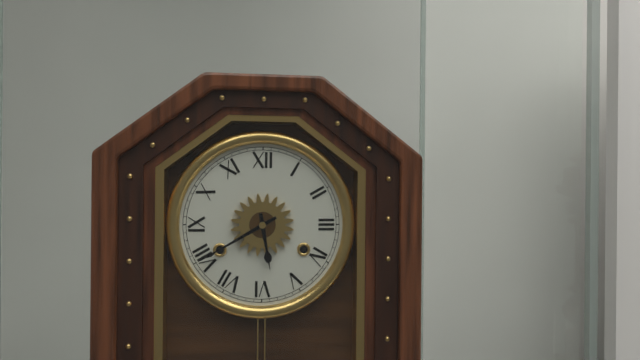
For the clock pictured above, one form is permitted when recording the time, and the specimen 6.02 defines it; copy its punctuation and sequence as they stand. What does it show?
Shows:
5.40
